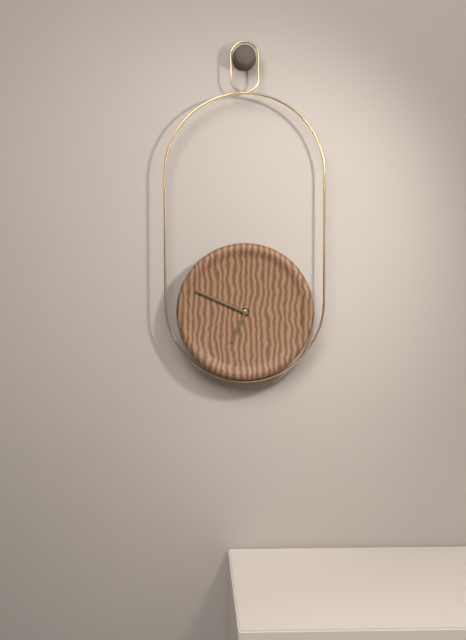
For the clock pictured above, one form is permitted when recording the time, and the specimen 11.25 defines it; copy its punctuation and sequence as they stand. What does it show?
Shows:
6.49
